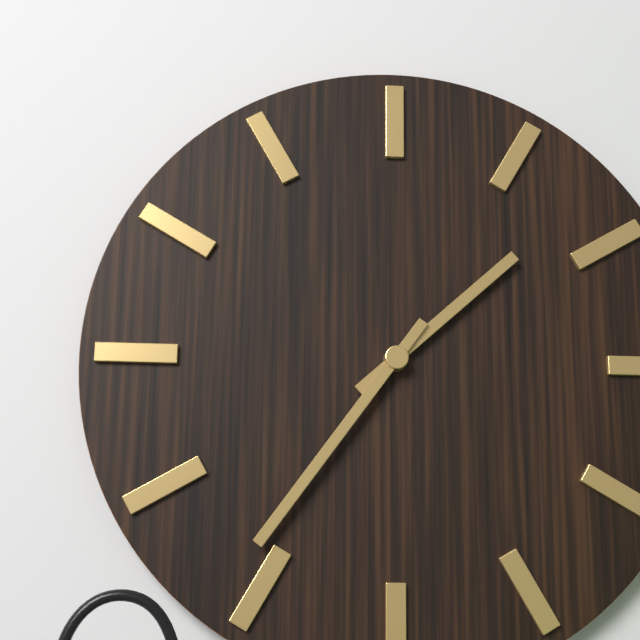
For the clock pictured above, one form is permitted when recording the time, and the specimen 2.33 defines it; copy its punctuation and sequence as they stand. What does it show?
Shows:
1.36
